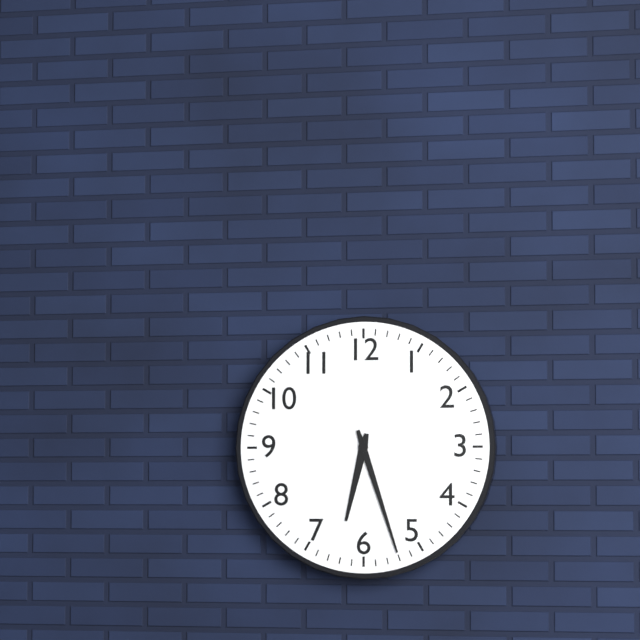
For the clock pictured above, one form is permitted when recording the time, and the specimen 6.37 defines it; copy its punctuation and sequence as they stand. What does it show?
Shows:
6.27
